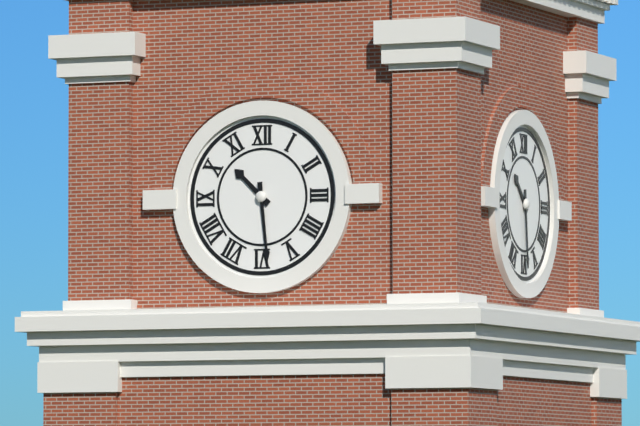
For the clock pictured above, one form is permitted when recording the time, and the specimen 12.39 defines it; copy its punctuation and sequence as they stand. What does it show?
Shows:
10.29
